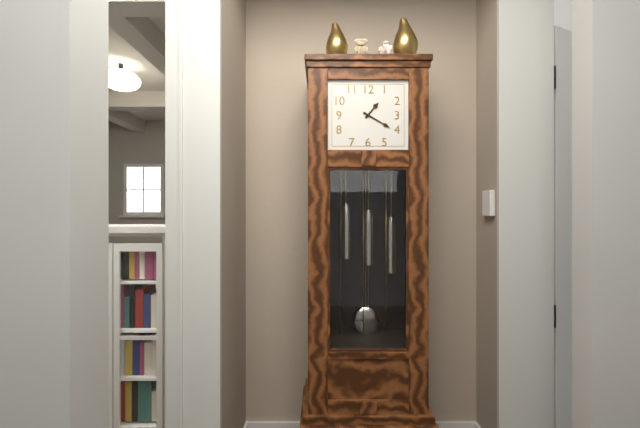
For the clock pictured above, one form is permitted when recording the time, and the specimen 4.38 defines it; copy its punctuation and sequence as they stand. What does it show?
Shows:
1.20
